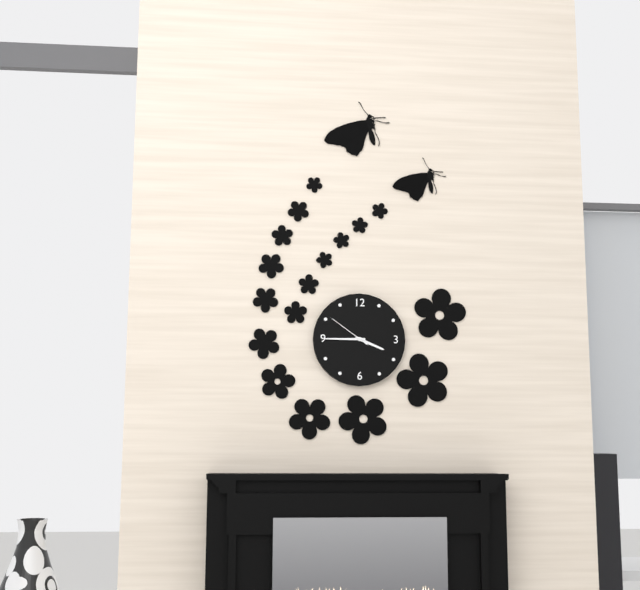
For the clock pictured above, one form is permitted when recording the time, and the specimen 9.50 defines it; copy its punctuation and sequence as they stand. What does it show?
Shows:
3.45
